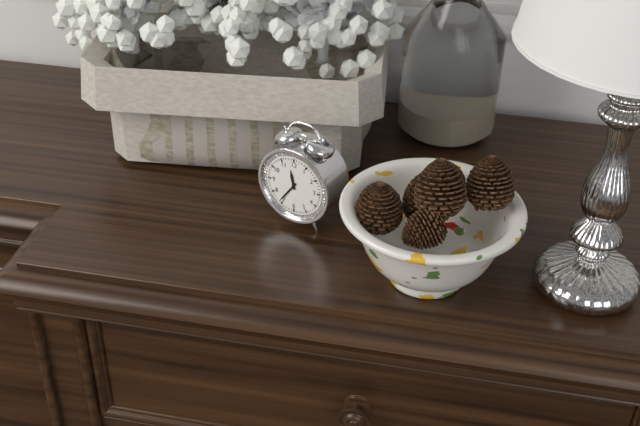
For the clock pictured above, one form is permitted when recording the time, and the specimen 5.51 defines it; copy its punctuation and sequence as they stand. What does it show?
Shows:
11.36
